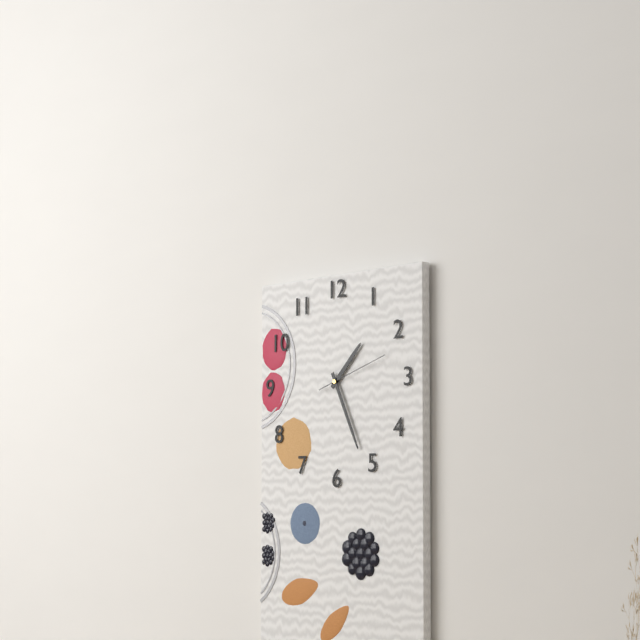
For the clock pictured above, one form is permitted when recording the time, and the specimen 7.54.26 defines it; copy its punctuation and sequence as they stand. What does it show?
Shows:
1.26.12
